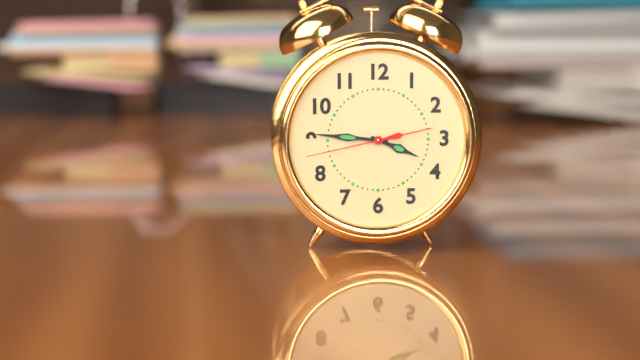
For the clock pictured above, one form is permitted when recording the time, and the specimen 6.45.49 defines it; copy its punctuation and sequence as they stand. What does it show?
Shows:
3.46.43
